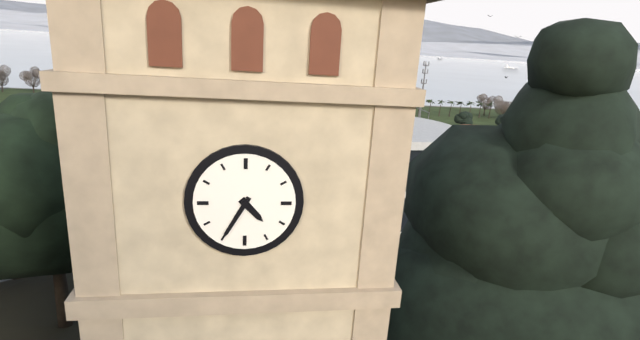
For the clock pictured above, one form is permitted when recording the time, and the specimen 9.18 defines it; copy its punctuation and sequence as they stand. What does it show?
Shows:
4.35
